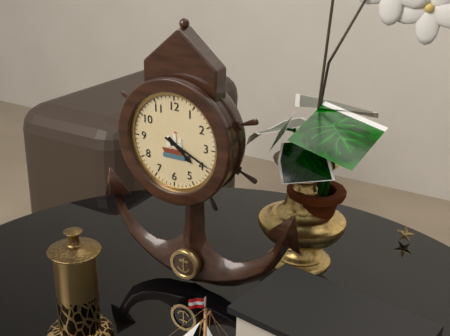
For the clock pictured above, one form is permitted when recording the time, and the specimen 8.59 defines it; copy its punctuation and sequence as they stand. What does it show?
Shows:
4.19
